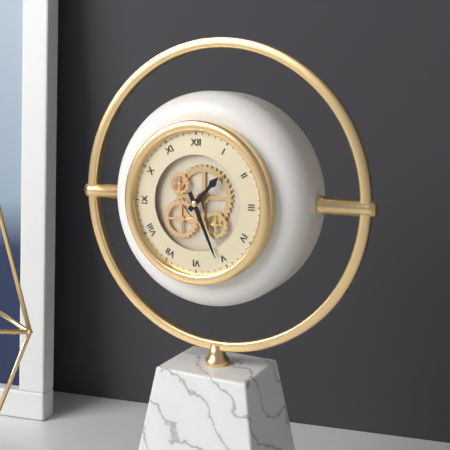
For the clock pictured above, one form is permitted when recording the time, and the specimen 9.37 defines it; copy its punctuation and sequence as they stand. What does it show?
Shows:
1.26
